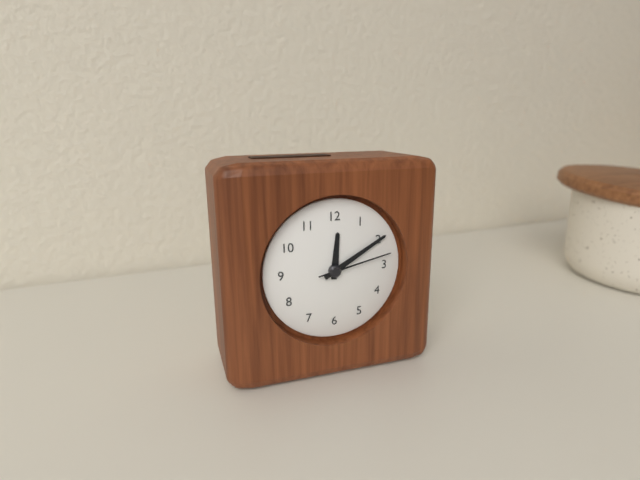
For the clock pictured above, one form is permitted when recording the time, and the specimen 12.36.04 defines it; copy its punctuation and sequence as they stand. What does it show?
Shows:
12.10.13
